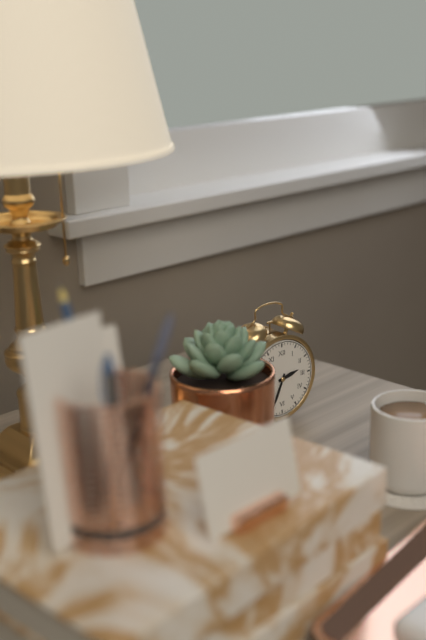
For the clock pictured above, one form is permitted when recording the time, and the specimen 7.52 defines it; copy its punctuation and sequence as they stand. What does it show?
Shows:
2.34
